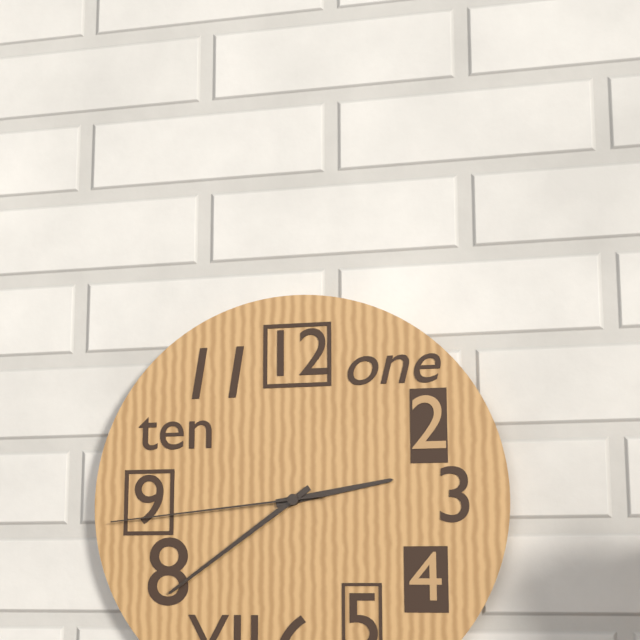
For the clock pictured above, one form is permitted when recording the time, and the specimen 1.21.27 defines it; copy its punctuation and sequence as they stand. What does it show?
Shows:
2.39.44
